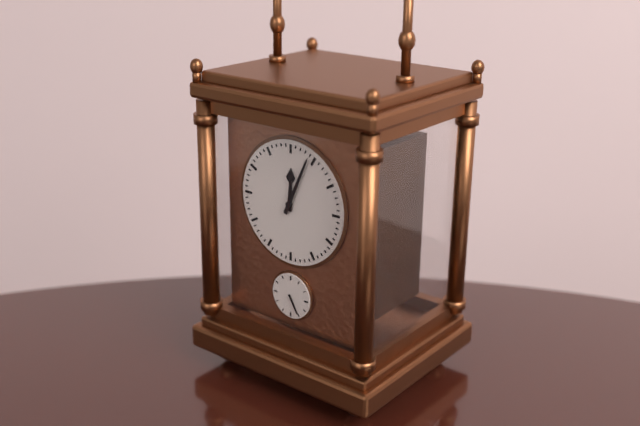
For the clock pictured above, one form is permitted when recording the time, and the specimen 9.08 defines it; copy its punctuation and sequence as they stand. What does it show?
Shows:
12.04
